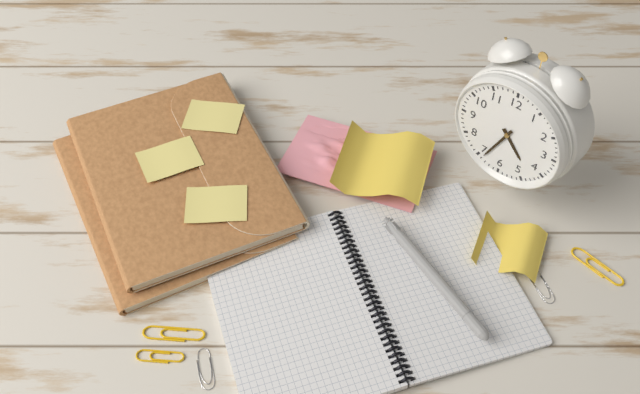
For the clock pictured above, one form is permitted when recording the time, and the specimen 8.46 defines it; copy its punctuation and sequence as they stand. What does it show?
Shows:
4.34
